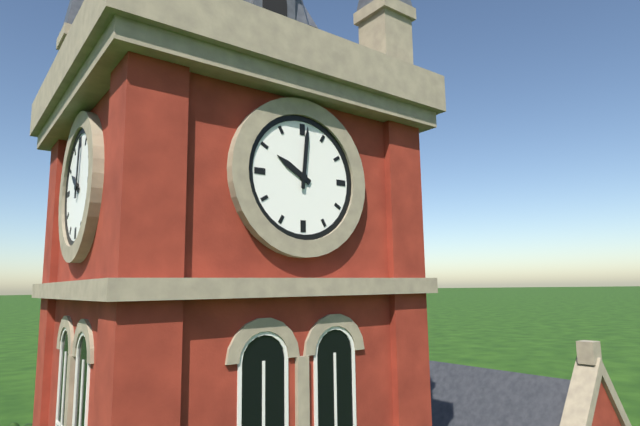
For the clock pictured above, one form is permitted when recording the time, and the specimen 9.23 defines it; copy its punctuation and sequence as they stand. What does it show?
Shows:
10.01
